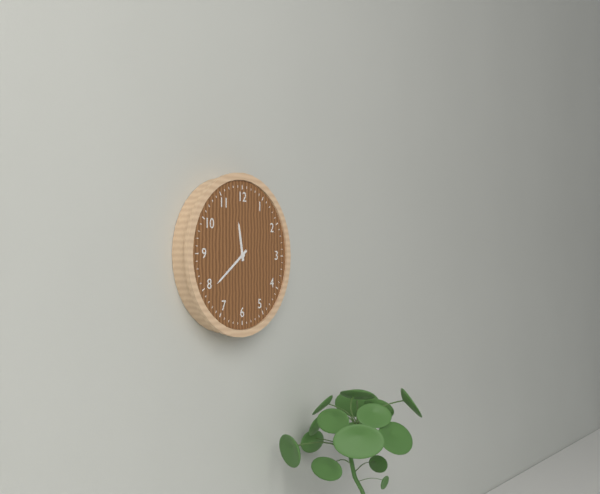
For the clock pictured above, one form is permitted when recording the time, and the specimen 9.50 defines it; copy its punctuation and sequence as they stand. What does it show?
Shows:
11.39
